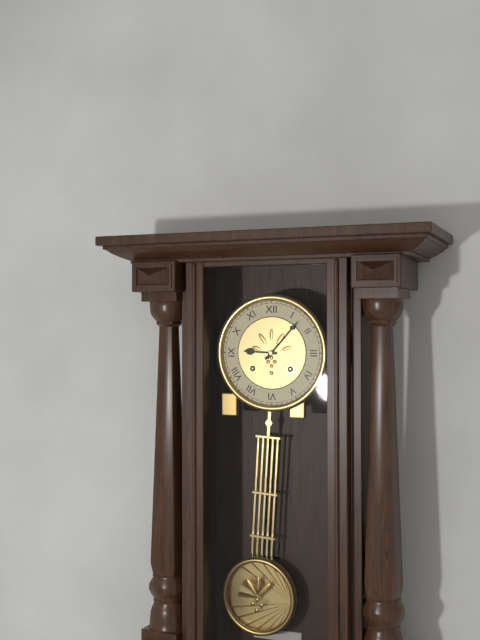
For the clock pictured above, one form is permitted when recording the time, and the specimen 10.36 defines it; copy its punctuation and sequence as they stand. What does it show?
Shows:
9.07
